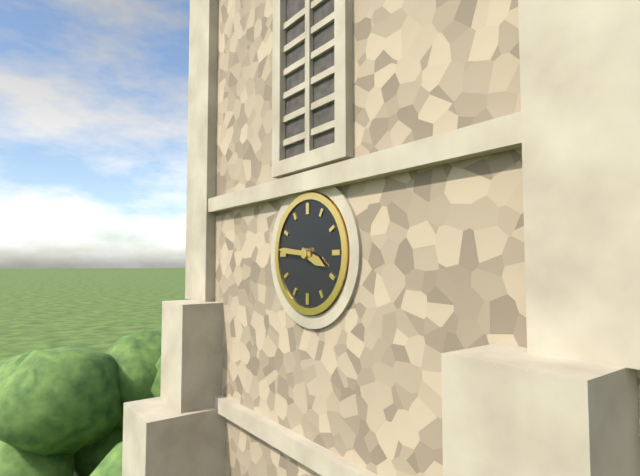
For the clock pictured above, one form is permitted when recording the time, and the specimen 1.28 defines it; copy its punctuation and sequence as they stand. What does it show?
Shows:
3.46
